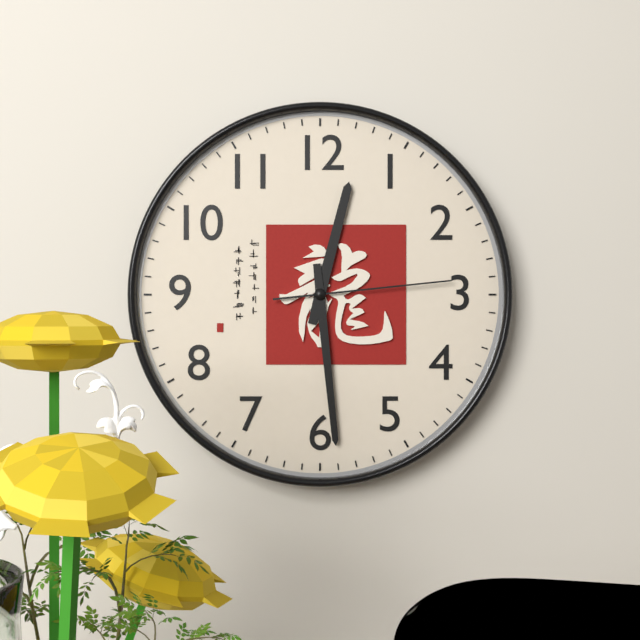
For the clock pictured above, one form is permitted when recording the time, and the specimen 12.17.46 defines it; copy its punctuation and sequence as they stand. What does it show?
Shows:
12.29.14
